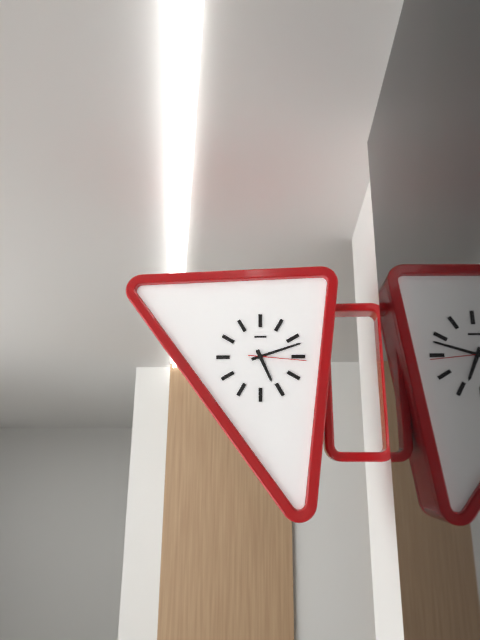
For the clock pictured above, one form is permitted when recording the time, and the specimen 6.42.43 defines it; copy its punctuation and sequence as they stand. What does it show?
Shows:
5.12.16
